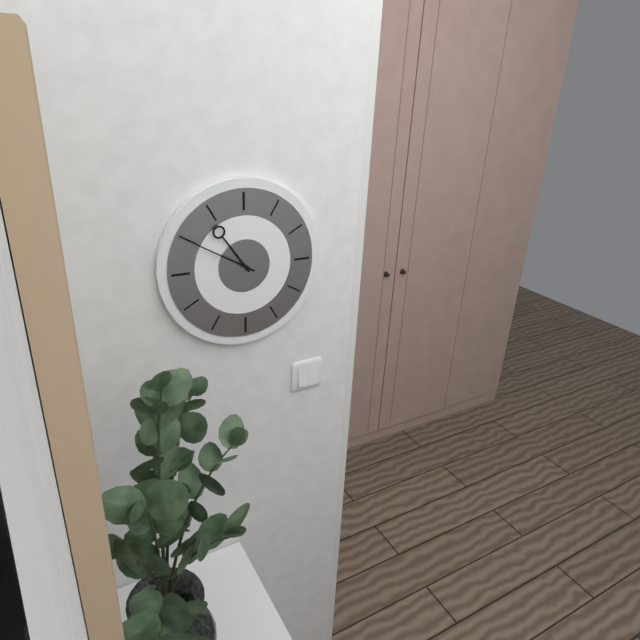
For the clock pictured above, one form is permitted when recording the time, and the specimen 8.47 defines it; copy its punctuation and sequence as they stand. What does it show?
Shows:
10.50
